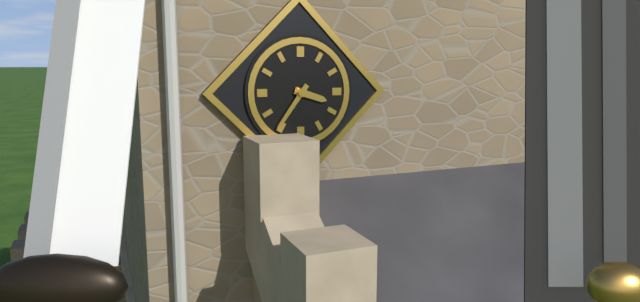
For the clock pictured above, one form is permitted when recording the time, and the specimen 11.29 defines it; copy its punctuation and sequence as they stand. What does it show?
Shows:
3.36
